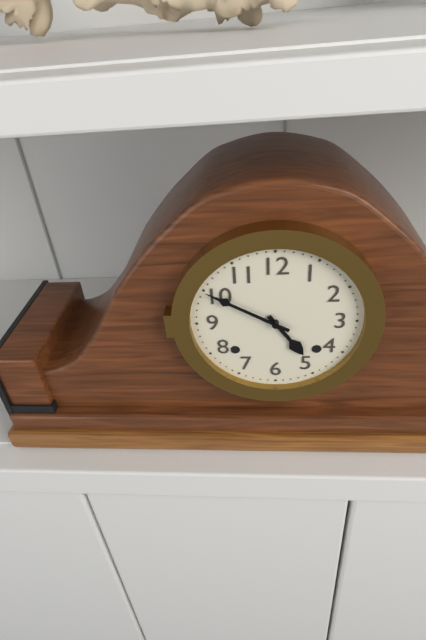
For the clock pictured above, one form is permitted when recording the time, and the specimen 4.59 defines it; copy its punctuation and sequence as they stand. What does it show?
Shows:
4.50
